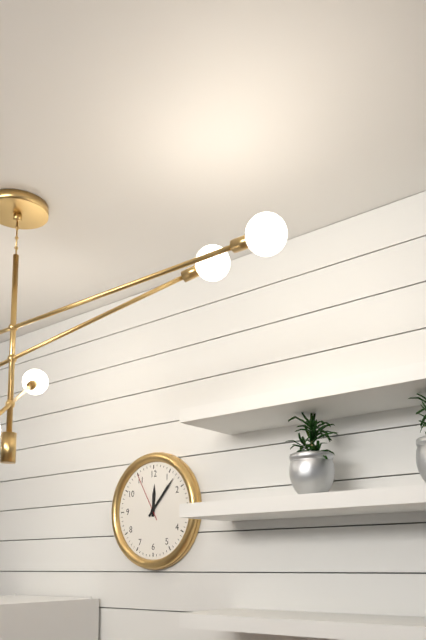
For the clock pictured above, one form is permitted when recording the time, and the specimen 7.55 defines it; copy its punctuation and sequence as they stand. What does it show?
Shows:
12.07
